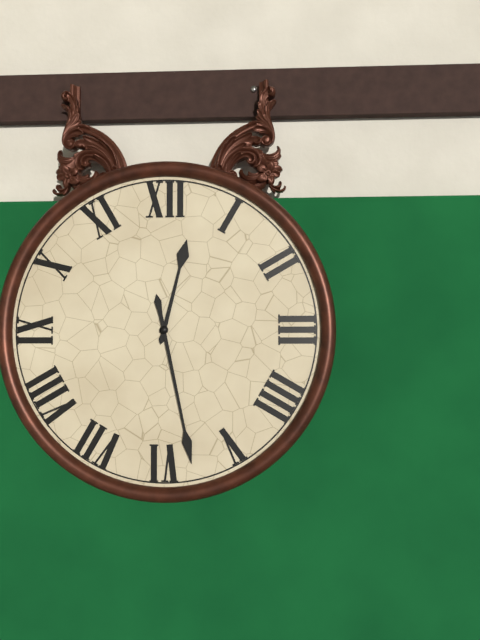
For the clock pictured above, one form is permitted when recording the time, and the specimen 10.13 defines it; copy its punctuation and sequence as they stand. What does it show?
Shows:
12.28
